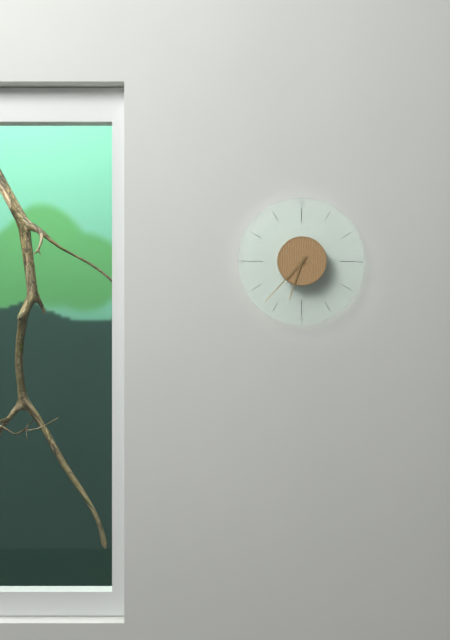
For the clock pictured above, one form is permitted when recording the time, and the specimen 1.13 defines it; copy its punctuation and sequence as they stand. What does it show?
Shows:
6.37
